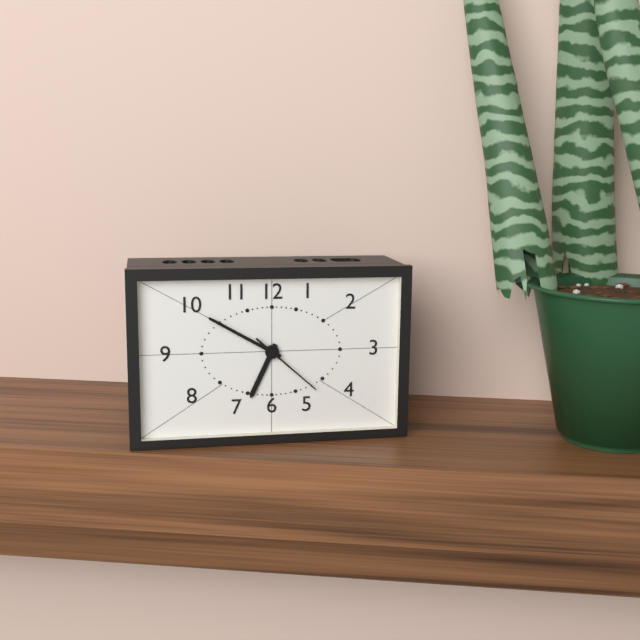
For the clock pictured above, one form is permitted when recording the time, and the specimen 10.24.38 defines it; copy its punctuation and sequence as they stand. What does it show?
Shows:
6.50.22
